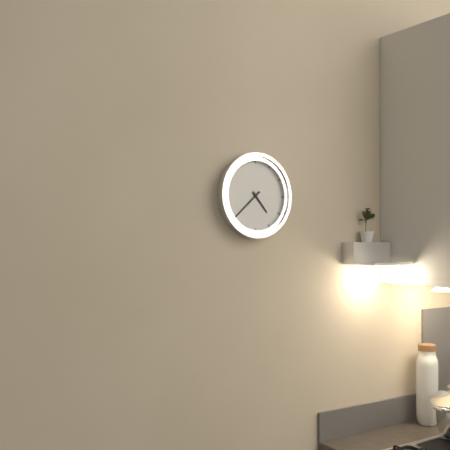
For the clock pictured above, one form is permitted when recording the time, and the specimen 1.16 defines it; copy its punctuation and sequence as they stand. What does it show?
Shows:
4.38
